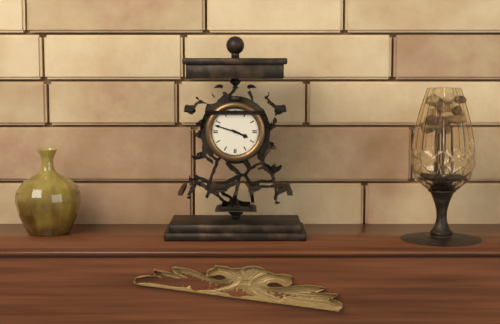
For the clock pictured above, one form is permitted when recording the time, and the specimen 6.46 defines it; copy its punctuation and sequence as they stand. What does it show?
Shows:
3.48
